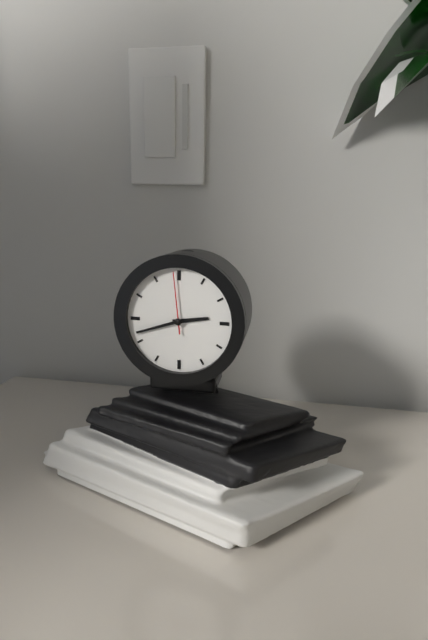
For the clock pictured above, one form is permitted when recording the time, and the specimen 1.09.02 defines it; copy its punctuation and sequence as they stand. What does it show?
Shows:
2.42.59
